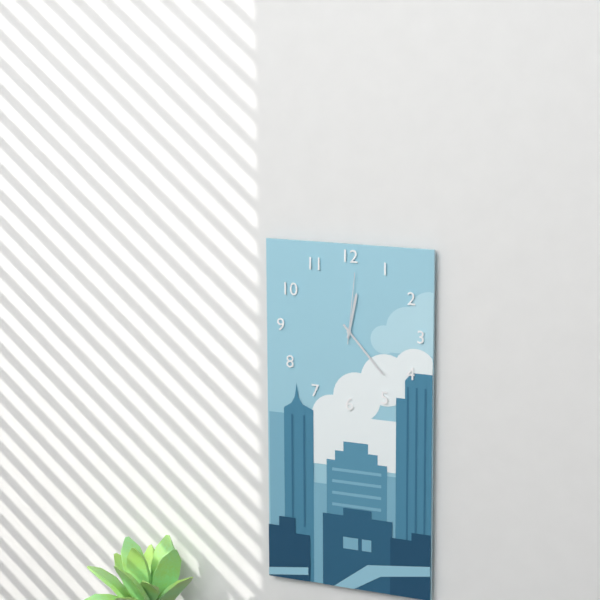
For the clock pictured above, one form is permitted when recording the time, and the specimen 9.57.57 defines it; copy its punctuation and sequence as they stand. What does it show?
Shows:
12.23.01
